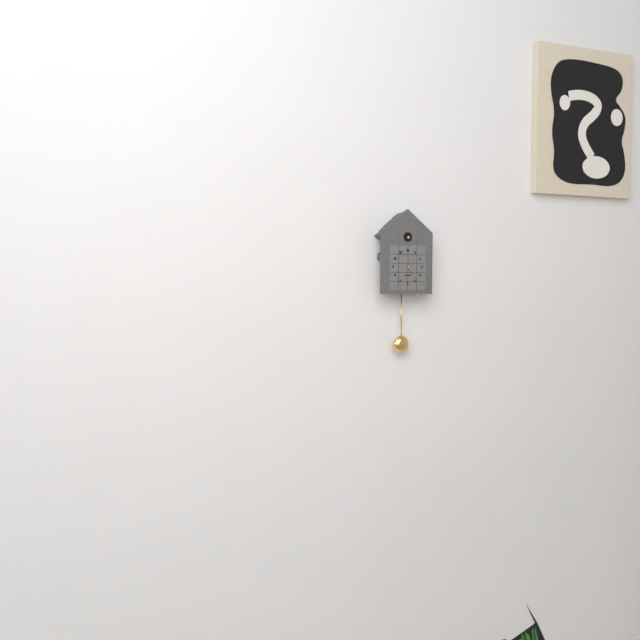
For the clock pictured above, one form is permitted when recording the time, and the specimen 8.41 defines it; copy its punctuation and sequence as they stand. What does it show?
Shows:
1.23
